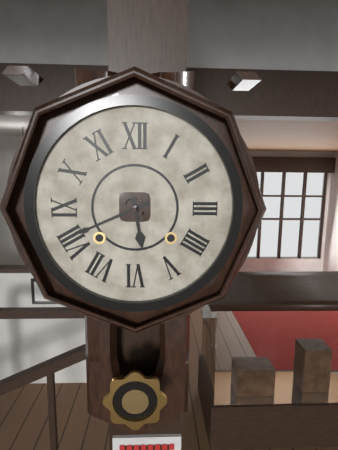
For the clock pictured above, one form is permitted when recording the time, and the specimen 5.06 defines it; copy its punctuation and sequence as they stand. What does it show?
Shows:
5.41
